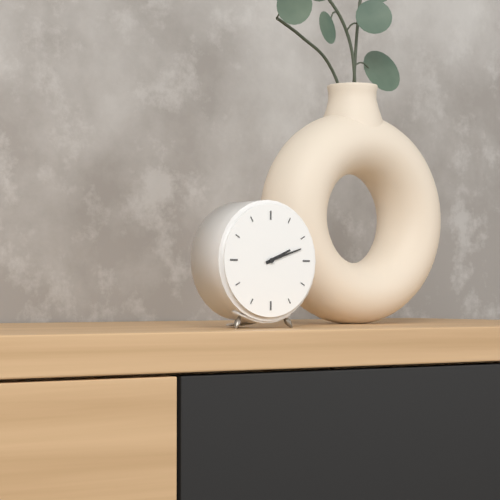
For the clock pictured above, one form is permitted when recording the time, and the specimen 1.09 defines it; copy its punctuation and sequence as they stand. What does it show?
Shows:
2.12
